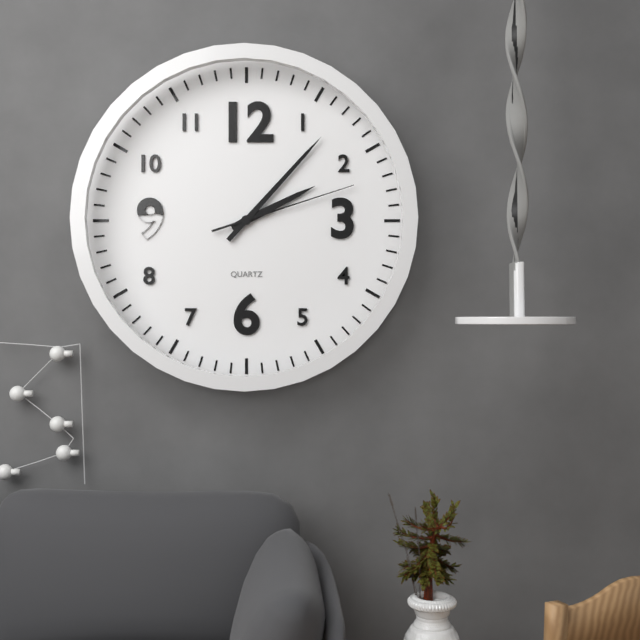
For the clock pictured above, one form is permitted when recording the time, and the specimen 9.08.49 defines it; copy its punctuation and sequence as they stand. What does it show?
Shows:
2.07.12
